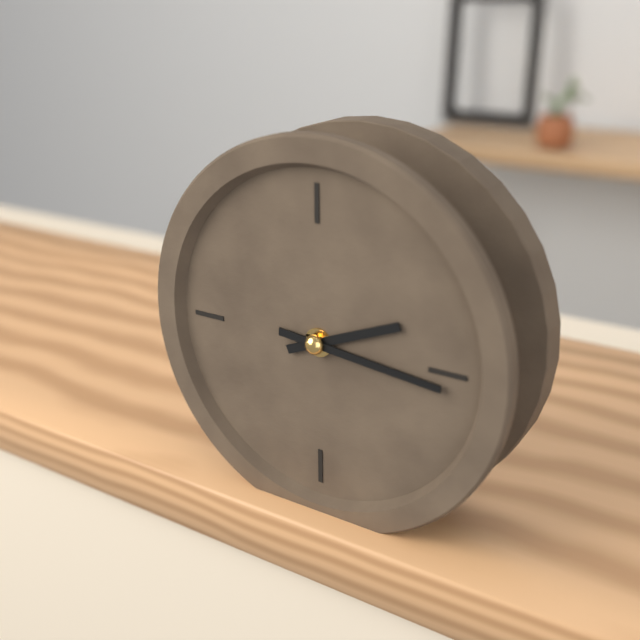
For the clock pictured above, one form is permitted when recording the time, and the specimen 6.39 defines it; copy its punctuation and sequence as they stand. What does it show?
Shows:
2.16
